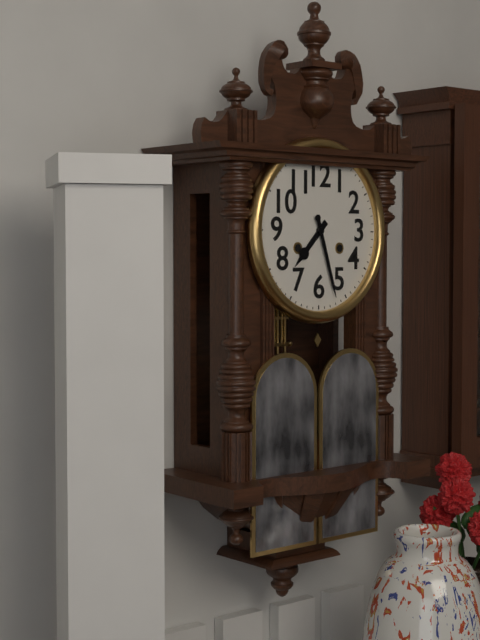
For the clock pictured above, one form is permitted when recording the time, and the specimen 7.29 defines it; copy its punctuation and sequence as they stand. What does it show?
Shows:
7.27
